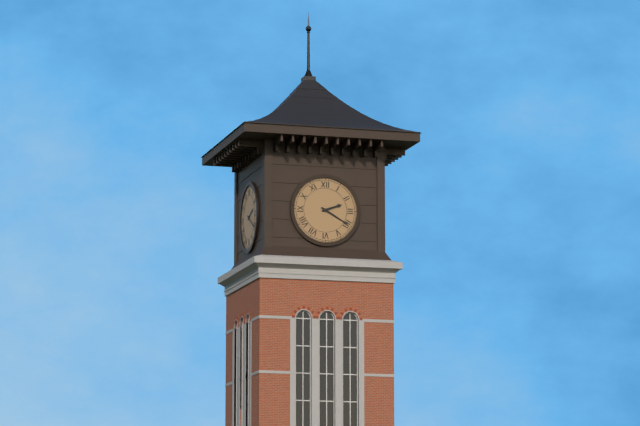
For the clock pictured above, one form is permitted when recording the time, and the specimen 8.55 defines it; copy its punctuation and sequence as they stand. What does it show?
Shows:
2.20
